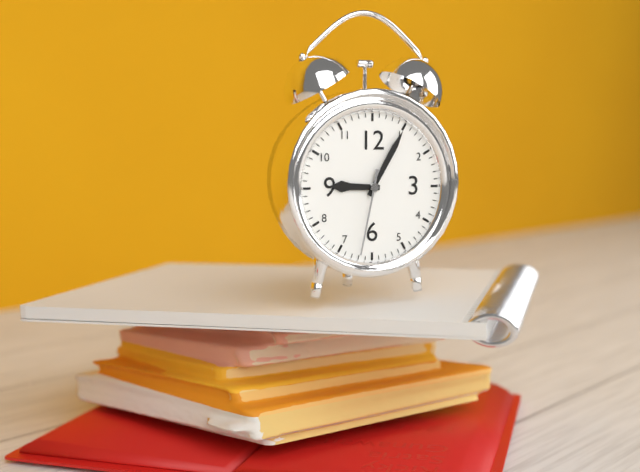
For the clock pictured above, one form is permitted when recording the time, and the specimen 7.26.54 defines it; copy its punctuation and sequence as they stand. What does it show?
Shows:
9.05.32
